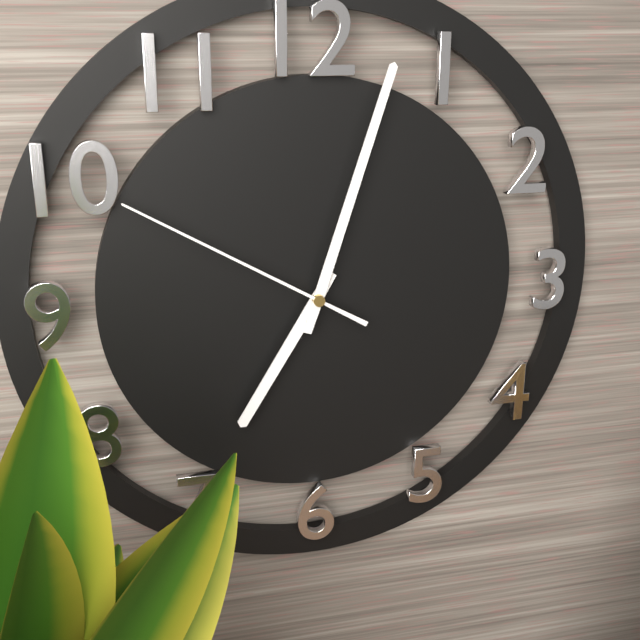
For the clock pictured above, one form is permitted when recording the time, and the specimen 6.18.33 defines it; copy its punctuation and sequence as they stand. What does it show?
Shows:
7.03.50
